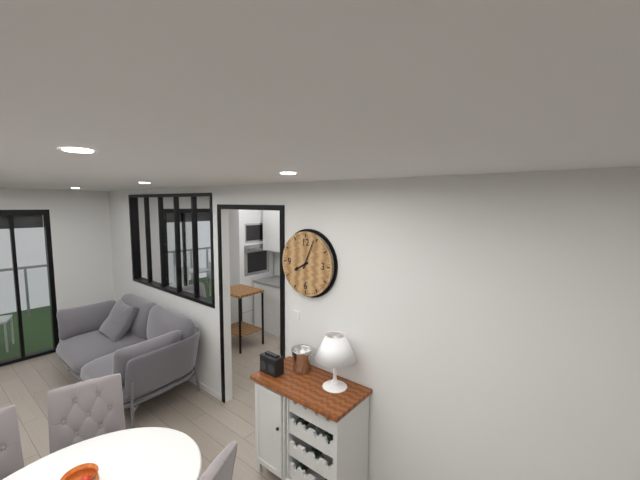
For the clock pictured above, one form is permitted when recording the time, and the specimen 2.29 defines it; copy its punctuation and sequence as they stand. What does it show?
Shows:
8.04
